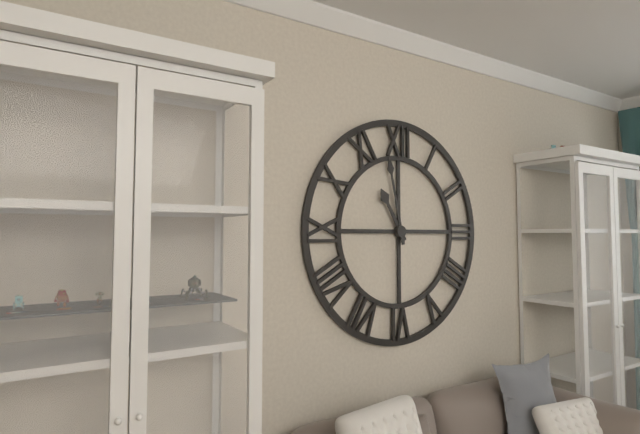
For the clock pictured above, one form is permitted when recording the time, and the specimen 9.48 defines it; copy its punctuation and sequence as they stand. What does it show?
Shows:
10.58
